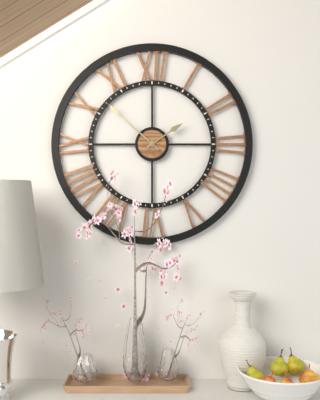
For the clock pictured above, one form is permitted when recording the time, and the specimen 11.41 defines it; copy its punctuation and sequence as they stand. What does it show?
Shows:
1.52
